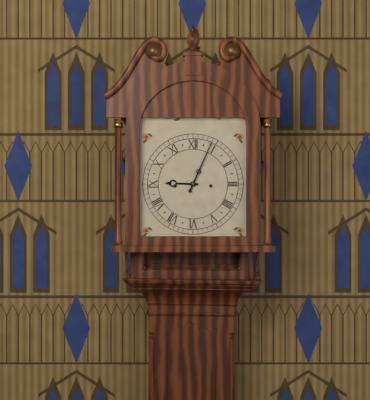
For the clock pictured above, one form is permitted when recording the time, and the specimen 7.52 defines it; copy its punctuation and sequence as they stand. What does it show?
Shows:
9.04
